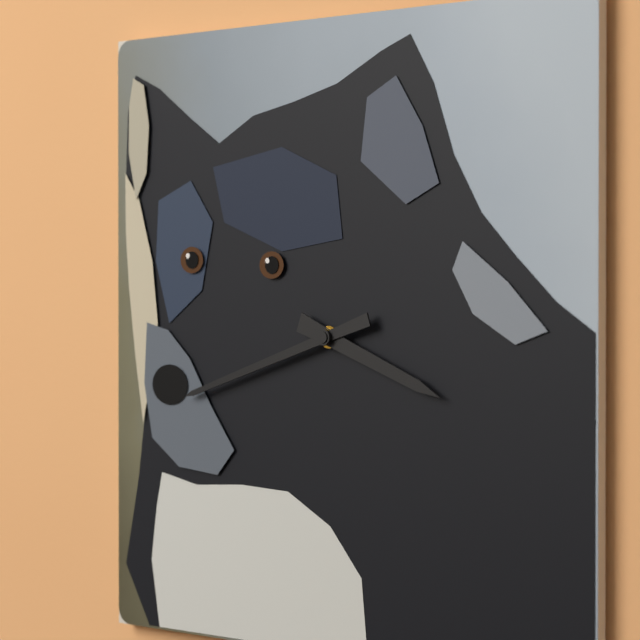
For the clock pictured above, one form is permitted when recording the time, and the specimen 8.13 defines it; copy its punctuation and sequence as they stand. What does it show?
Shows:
3.42
